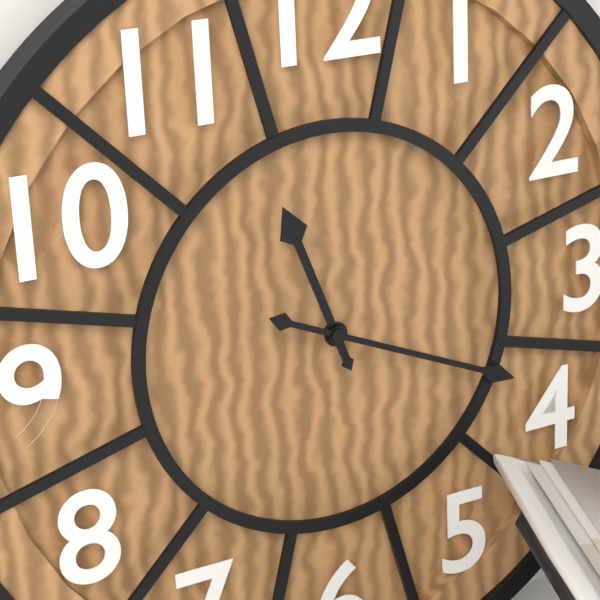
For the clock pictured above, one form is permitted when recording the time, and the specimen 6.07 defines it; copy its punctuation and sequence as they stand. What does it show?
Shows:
11.19
